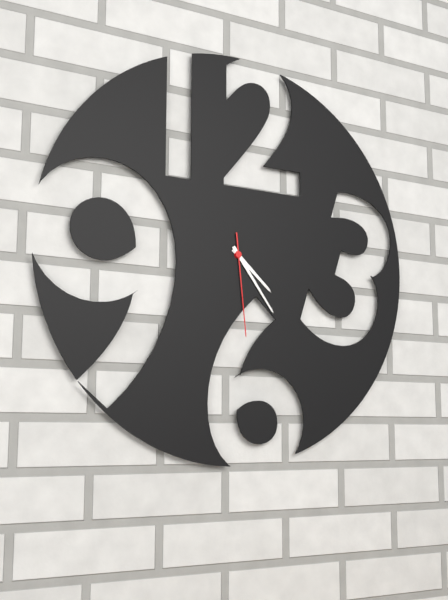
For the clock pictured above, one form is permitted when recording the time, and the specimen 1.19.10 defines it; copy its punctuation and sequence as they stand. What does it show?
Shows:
4.24.29
